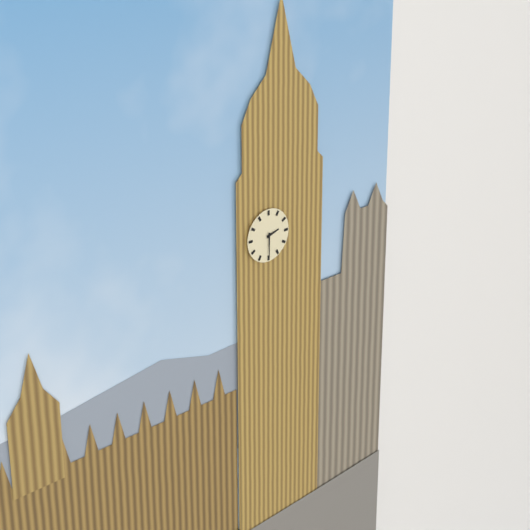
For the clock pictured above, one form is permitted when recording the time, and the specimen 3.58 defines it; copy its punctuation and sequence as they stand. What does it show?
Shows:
2.30
